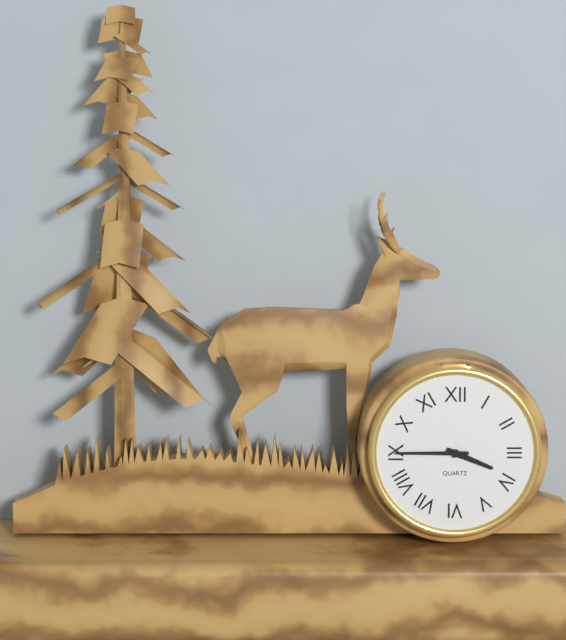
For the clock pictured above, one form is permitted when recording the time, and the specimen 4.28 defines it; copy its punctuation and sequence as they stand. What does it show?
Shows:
3.45
